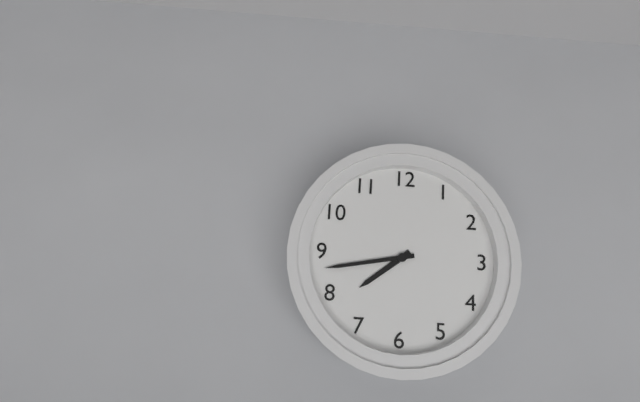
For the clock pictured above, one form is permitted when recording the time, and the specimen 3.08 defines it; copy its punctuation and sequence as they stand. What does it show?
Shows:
7.43
